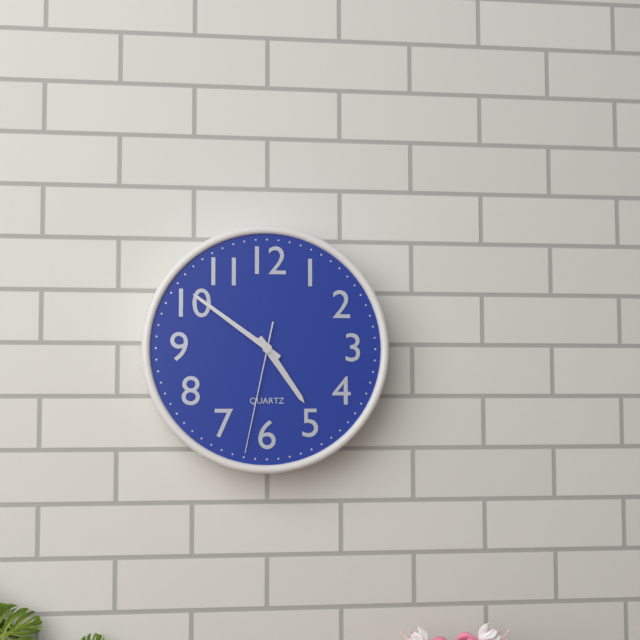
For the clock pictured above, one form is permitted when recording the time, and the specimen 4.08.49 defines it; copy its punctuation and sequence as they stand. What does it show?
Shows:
4.51.32
